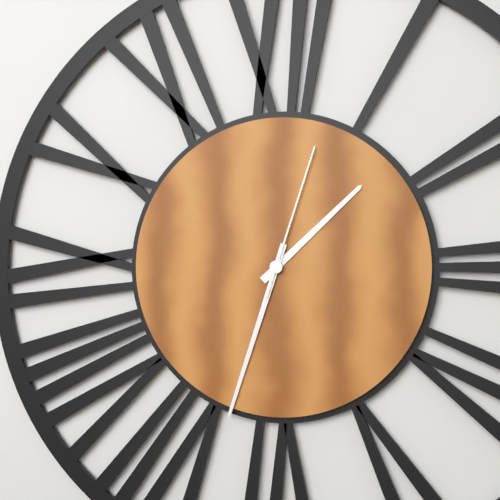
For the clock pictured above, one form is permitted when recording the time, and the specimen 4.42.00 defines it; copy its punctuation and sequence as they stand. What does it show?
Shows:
1.33.03
